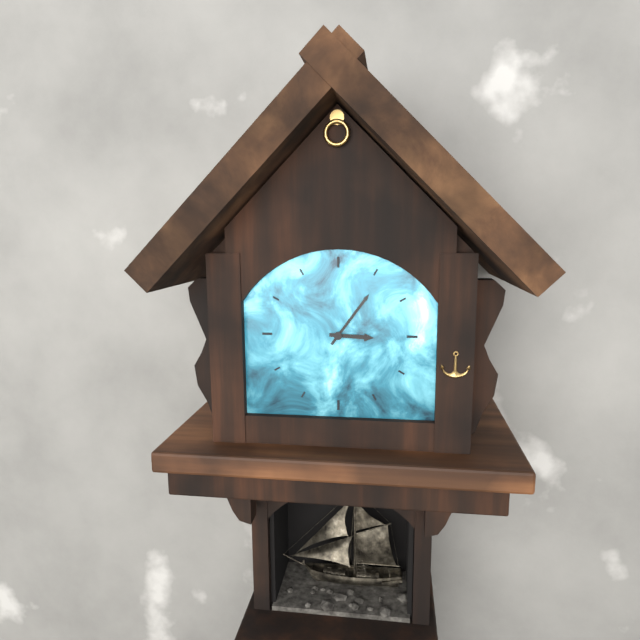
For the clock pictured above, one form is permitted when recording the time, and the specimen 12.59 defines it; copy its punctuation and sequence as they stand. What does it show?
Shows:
3.06
